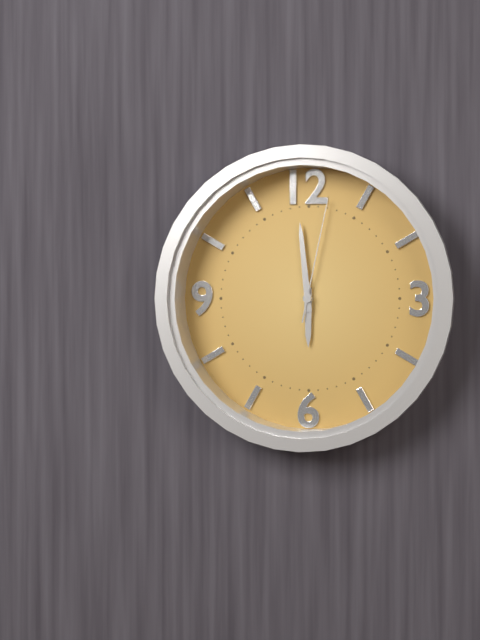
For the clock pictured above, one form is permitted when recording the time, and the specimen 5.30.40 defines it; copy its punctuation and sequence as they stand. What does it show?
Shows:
5.59.02
